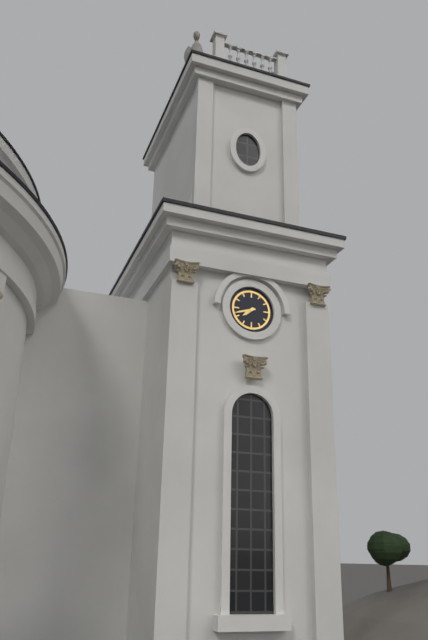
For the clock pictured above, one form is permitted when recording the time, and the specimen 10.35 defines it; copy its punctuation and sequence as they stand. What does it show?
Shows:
7.42
